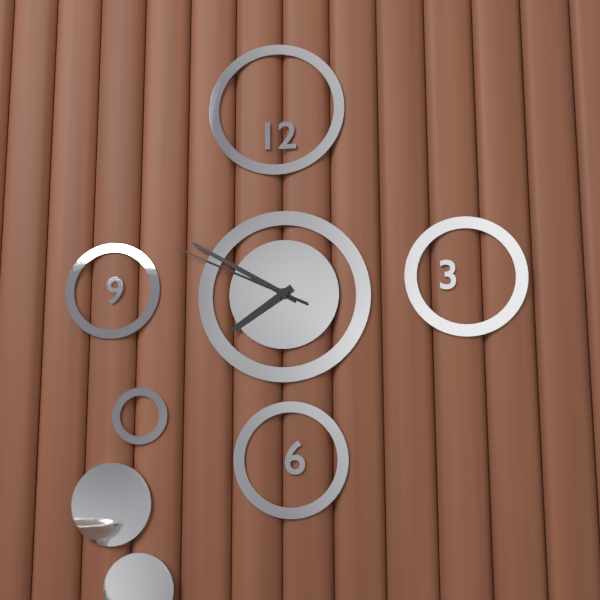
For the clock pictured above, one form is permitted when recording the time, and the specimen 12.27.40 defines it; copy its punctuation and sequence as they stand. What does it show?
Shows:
7.50.49
